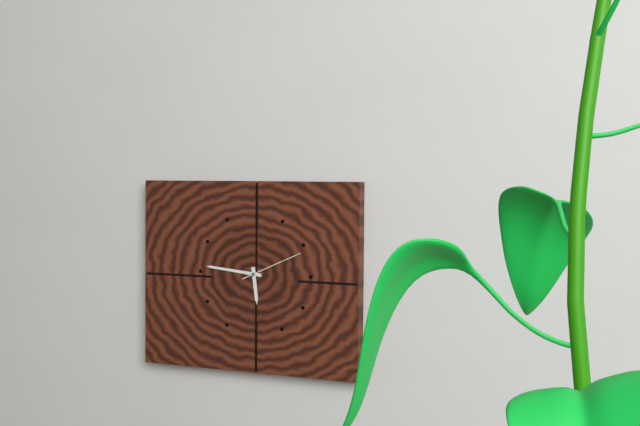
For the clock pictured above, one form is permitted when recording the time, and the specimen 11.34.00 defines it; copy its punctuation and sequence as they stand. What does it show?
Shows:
5.46.11
